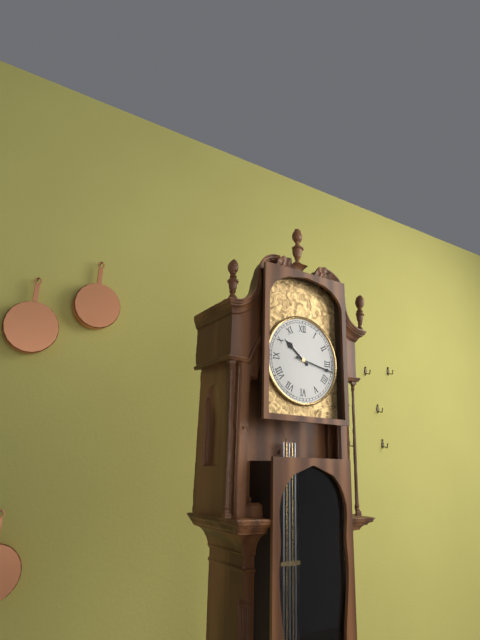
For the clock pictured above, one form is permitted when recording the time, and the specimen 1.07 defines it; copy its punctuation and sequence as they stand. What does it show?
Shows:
10.17
